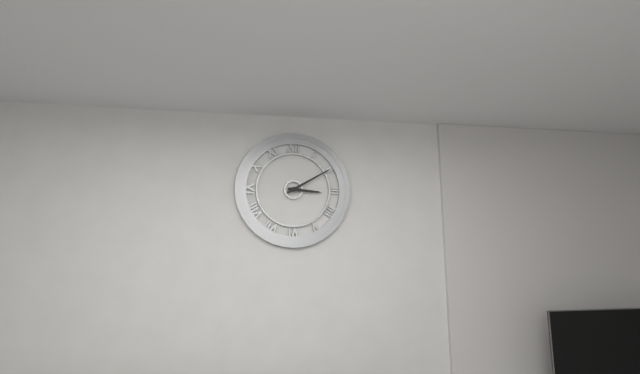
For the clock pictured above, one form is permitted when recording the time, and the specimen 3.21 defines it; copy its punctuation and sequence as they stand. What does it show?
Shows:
3.10
